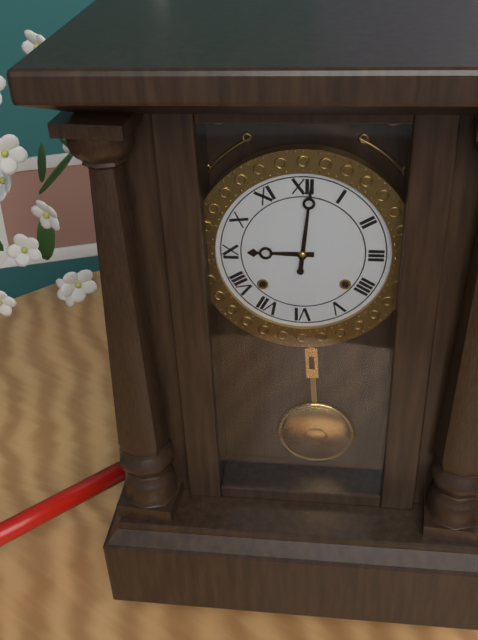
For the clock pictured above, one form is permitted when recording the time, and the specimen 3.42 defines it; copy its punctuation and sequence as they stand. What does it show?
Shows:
9.01
